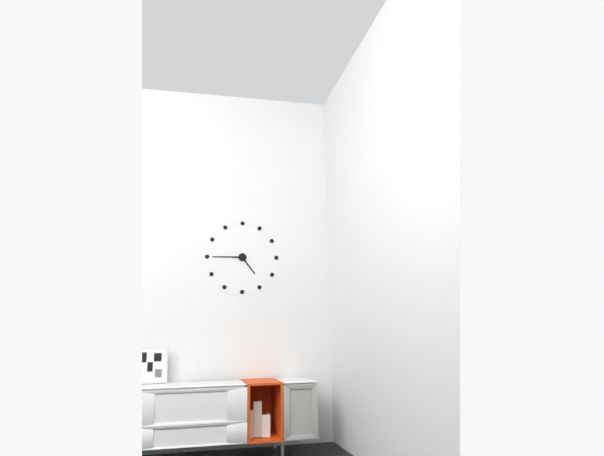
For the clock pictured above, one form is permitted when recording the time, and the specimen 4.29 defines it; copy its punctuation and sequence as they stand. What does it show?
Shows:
4.45
